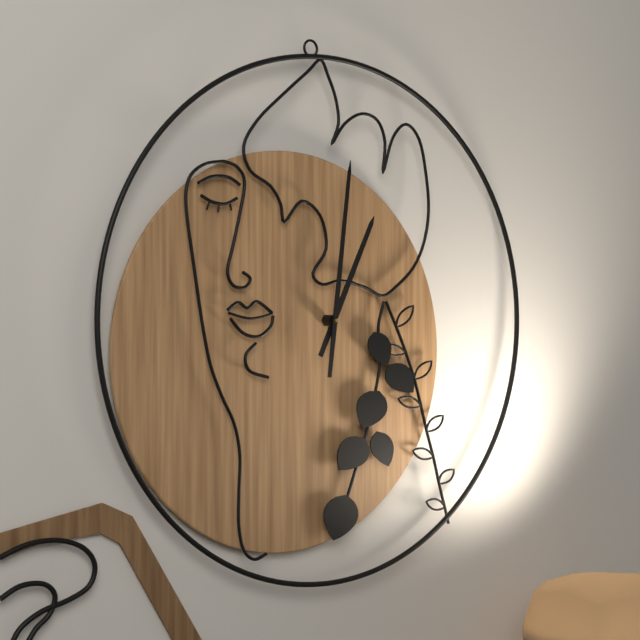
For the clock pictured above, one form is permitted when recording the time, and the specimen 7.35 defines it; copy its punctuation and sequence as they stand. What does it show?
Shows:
1.02
